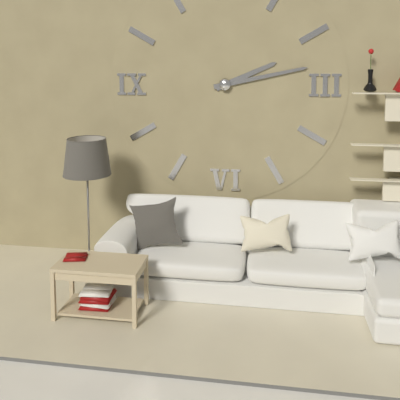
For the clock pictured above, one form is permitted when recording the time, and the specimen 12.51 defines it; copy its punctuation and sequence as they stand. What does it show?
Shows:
2.13
